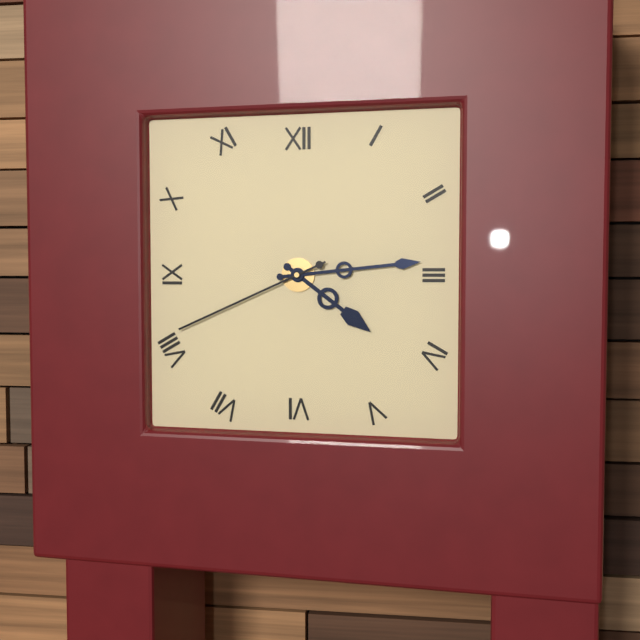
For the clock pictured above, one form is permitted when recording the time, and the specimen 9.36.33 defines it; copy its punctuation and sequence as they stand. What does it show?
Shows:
4.14.41
